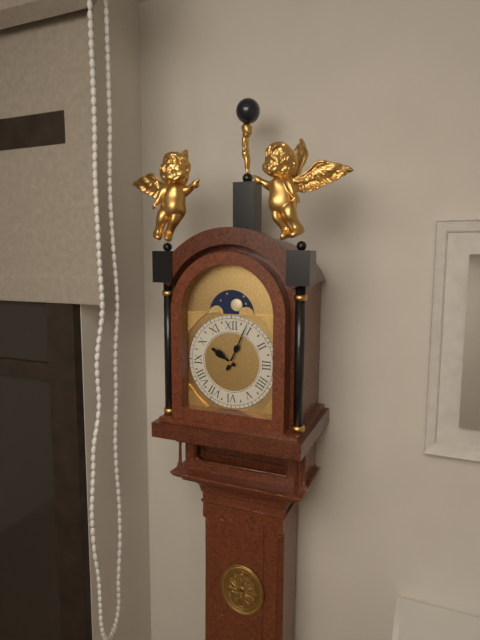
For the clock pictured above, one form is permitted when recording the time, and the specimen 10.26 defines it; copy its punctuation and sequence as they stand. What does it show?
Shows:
10.04
